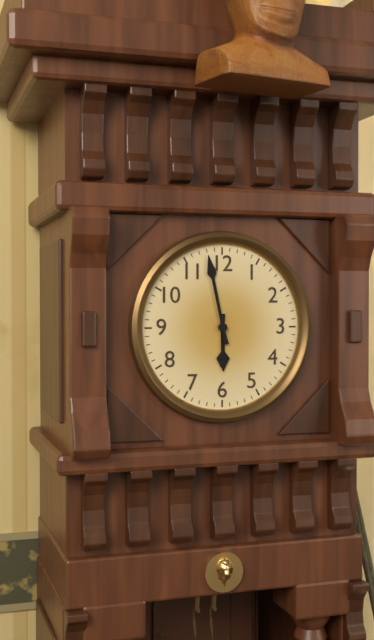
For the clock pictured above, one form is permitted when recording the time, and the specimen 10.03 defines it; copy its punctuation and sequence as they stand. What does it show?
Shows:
5.58
